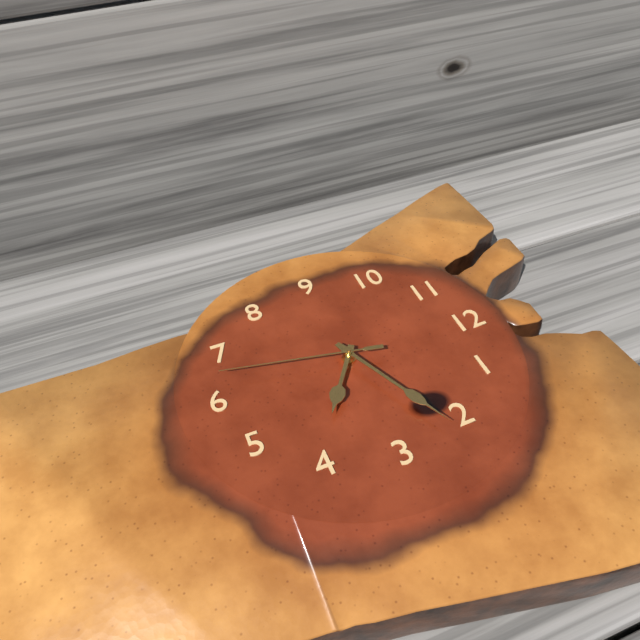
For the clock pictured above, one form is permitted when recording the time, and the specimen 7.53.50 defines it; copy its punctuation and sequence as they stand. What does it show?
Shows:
4.11.32
